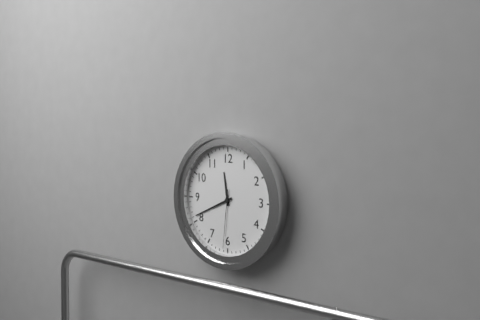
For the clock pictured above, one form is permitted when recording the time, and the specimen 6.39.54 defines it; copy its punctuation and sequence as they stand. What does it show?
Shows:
11.41.31
